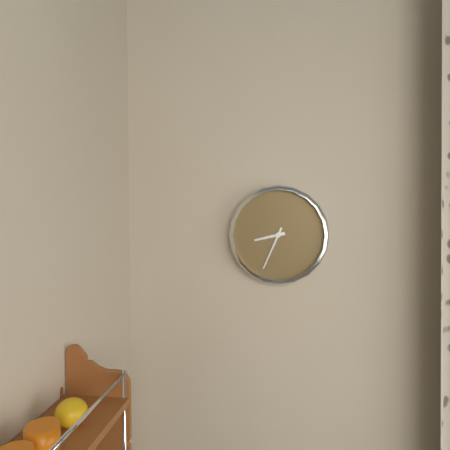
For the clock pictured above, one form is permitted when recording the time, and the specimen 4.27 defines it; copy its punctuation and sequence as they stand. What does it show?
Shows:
8.34
